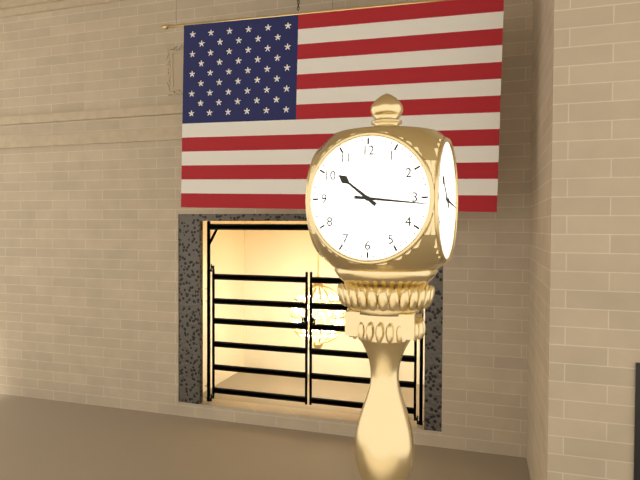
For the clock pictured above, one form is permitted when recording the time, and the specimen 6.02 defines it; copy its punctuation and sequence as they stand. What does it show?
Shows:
10.16
